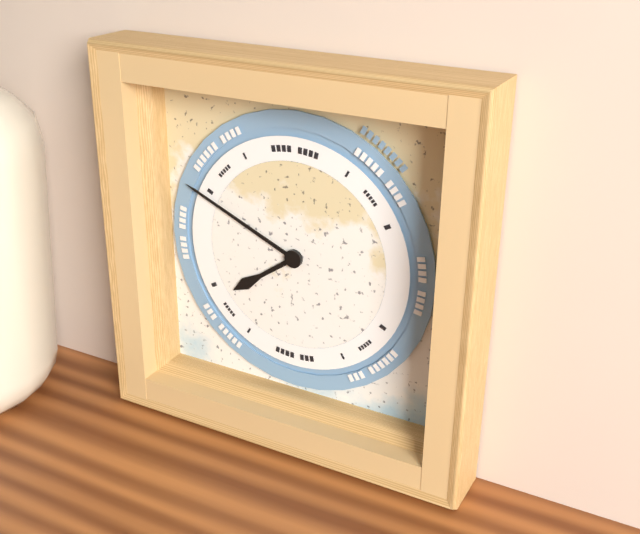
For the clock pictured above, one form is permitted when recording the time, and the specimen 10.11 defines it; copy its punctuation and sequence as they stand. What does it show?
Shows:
7.49
